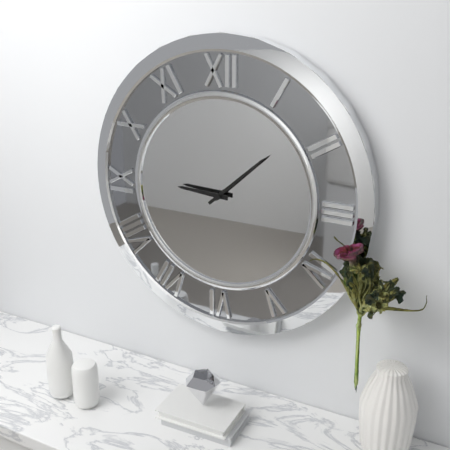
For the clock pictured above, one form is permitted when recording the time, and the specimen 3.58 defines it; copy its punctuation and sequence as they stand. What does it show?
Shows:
9.08
